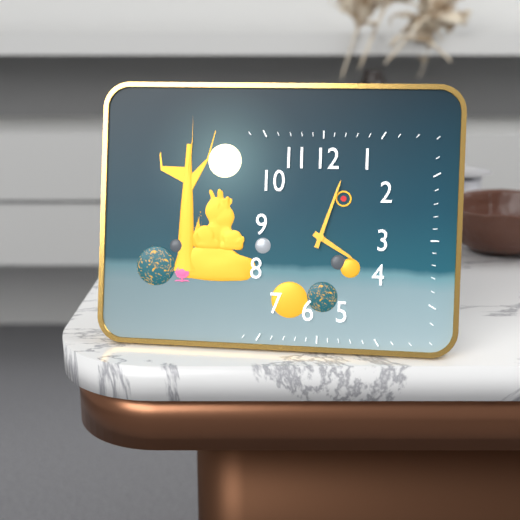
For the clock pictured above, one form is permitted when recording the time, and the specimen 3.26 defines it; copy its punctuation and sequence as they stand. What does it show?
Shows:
4.03
